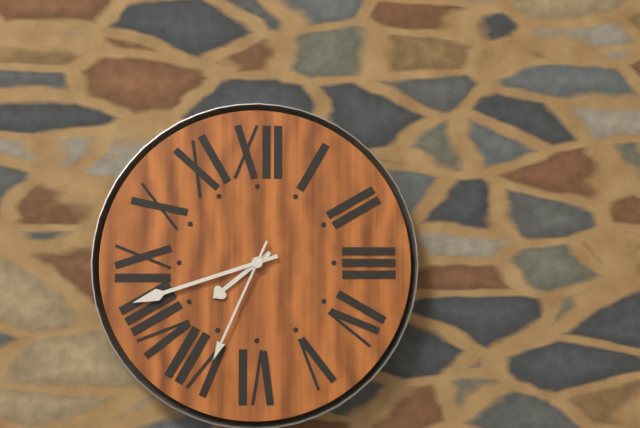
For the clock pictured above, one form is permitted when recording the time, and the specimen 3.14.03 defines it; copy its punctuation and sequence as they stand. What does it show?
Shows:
7.42.34
